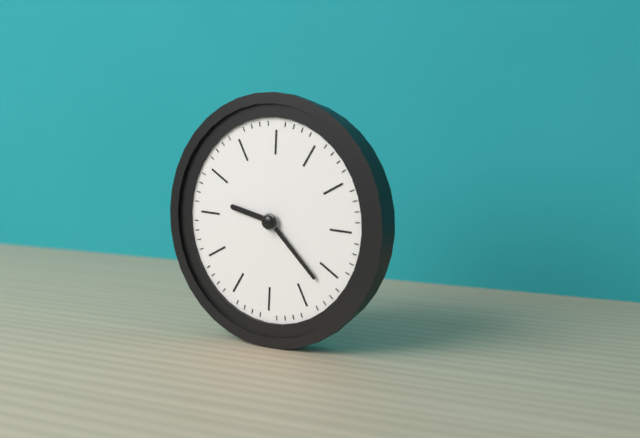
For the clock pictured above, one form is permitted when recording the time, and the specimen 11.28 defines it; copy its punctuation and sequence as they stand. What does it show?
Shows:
9.22
